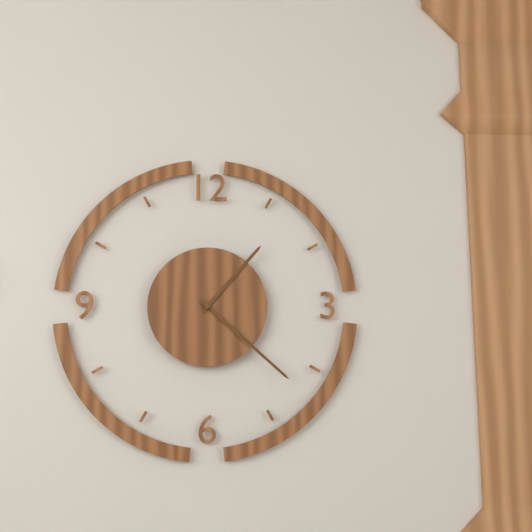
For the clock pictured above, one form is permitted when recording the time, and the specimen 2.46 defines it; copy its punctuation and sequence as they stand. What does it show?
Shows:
1.22
